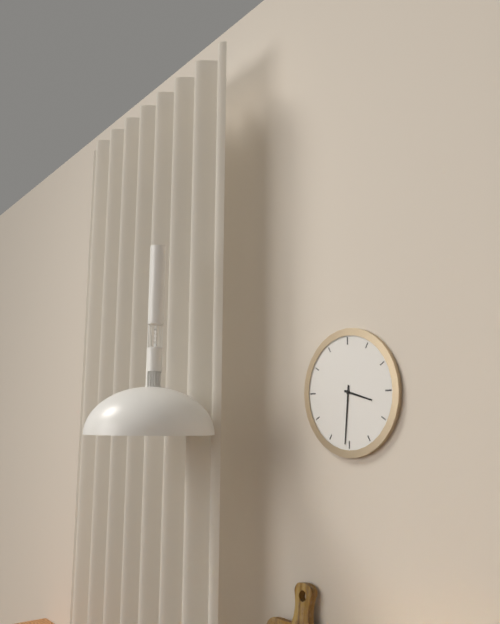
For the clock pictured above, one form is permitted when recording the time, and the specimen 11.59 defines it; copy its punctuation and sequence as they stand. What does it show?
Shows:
3.31
